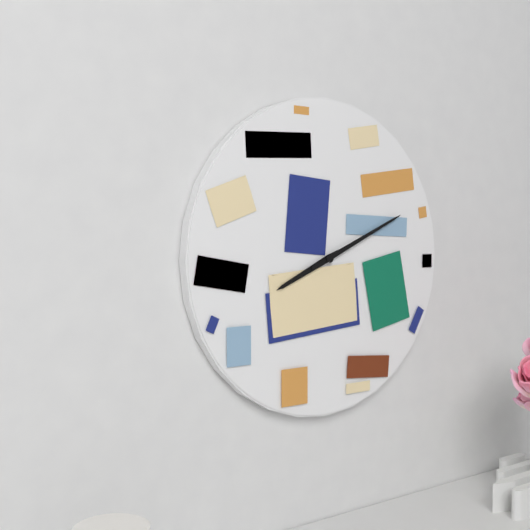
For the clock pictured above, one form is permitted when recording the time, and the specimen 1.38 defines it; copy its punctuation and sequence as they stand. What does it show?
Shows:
8.11
